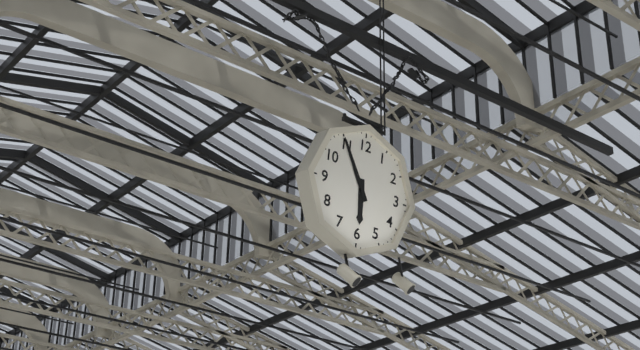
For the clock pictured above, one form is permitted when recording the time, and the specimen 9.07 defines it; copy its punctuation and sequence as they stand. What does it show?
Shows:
5.55
